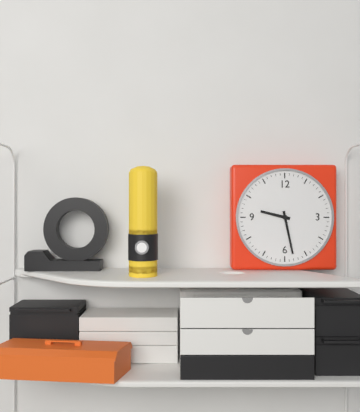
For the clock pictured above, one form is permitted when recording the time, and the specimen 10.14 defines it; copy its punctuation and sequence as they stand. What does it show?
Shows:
9.28
